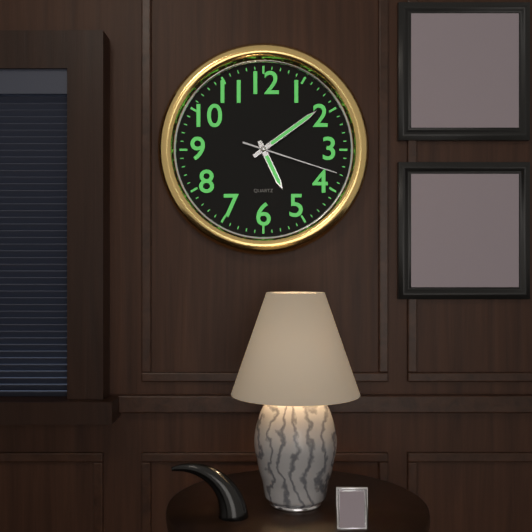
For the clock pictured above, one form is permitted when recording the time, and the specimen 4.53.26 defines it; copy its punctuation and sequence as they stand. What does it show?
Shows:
5.09.18
